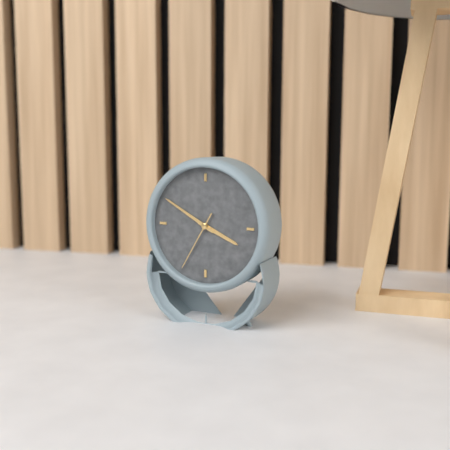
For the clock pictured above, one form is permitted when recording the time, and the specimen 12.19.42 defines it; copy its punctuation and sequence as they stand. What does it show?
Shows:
3.50.35
